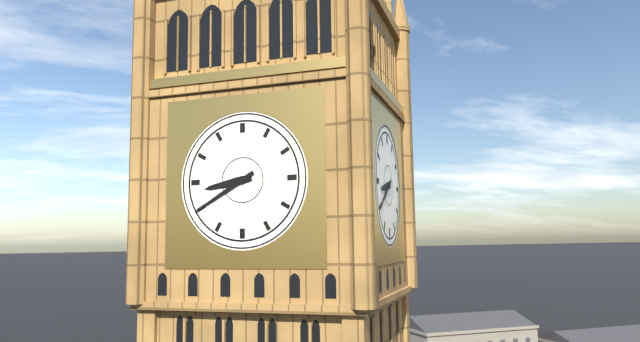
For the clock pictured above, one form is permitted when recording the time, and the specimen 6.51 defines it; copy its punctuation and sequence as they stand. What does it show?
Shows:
8.40
